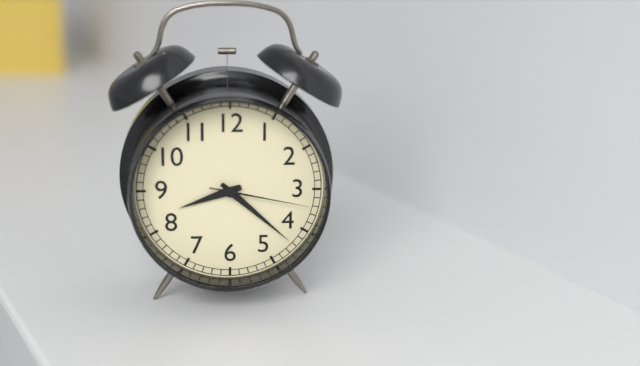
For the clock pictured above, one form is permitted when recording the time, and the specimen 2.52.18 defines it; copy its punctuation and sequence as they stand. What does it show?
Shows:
8.22.17
